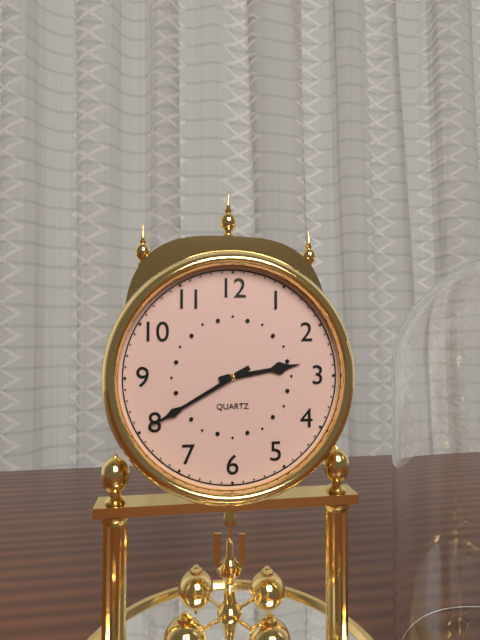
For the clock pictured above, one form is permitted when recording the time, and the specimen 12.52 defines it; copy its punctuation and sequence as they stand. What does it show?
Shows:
2.40
